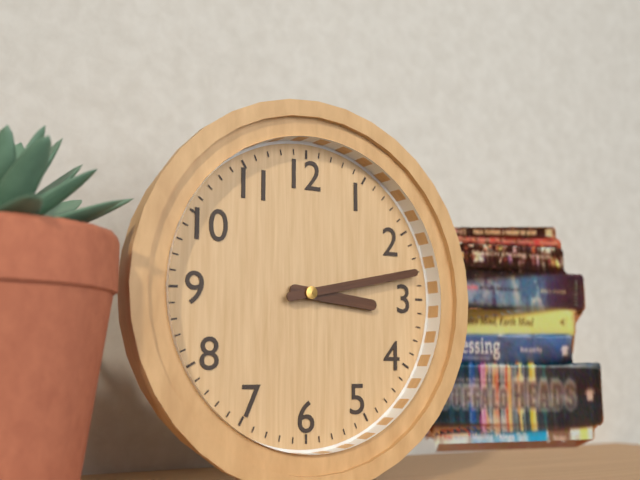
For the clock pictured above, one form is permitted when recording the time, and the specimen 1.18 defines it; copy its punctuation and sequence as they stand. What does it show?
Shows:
3.13
